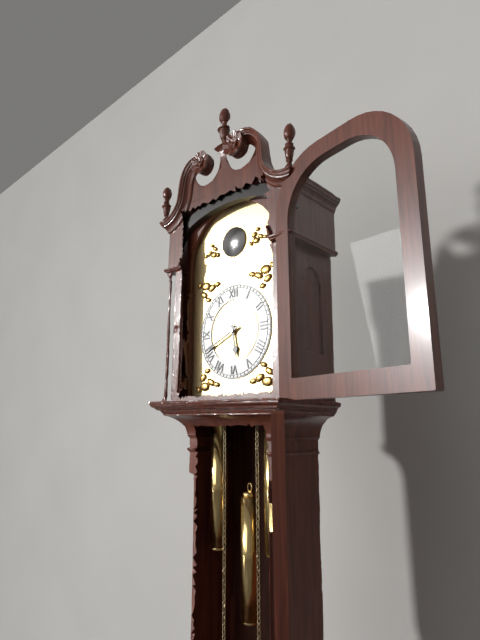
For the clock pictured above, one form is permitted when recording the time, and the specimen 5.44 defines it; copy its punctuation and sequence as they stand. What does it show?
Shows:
5.41
